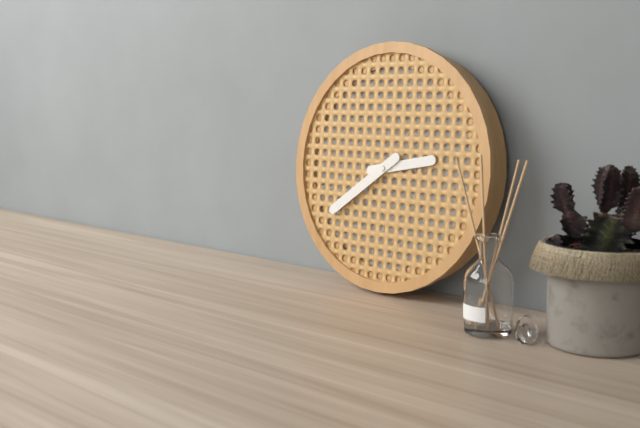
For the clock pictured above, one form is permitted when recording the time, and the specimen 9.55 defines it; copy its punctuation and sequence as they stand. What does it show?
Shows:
2.39
